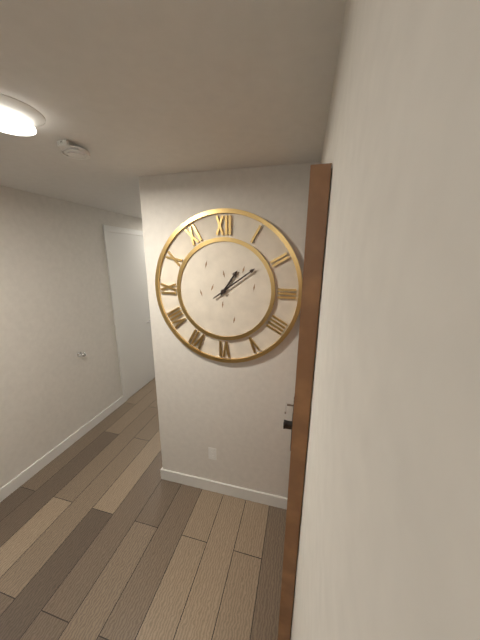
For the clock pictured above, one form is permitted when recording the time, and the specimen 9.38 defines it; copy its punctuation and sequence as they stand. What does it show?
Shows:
1.09
